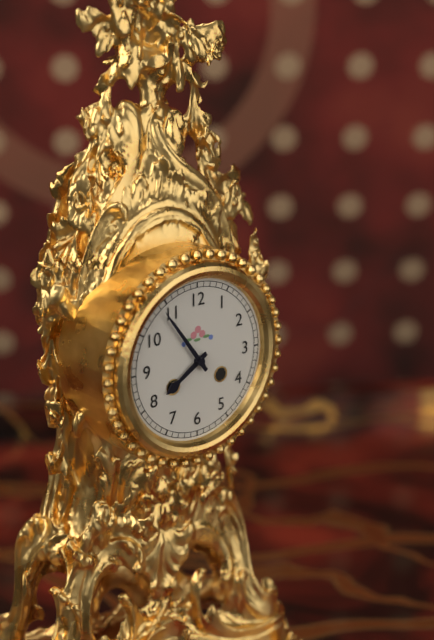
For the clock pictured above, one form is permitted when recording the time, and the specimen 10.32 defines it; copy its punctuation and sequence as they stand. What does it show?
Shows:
7.54
